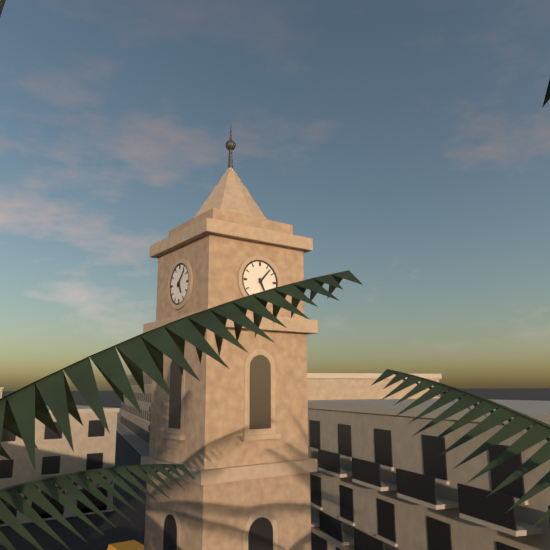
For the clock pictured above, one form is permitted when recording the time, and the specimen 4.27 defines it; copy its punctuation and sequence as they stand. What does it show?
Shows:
5.07
